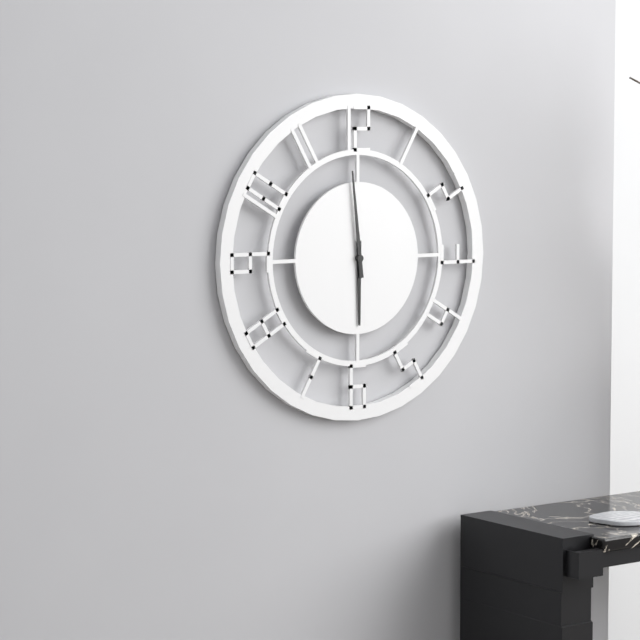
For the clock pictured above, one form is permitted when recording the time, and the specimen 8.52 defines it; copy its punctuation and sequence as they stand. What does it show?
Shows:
5.59
